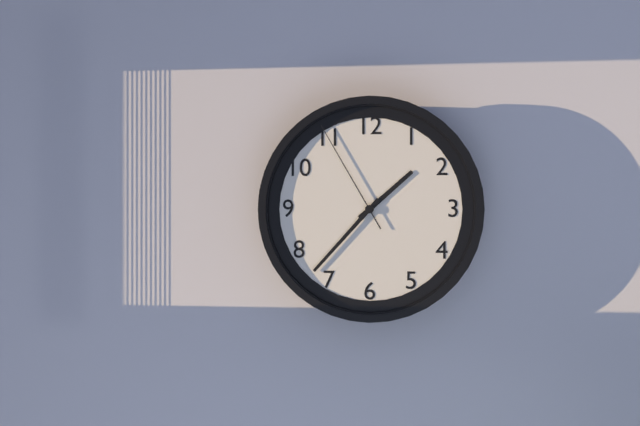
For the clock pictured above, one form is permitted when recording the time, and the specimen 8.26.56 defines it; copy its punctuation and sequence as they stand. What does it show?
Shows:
1.37.55
